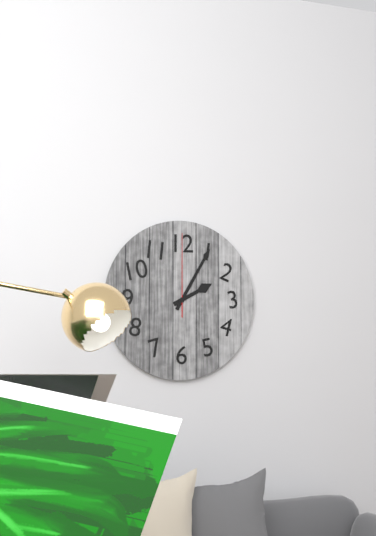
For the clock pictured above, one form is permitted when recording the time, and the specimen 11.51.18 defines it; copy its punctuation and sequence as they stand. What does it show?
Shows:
2.05.00
